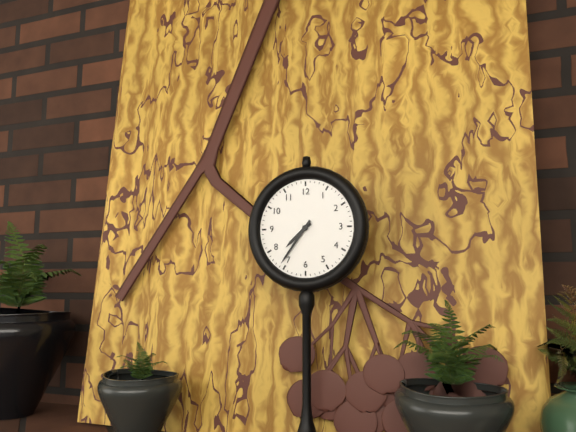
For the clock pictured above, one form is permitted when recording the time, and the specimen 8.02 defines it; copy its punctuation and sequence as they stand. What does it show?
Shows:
7.36
